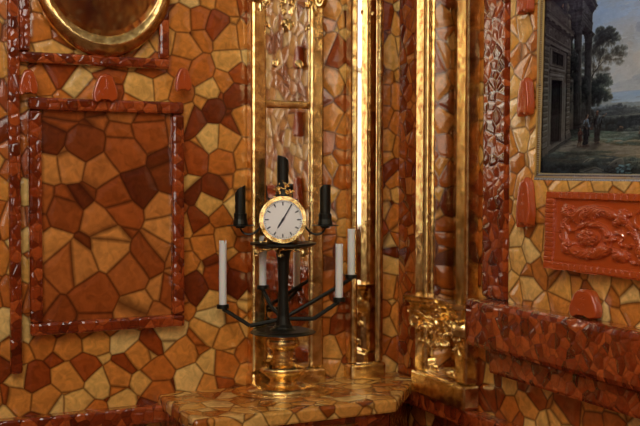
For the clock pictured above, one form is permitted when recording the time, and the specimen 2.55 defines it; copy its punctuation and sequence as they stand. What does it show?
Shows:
7.05
